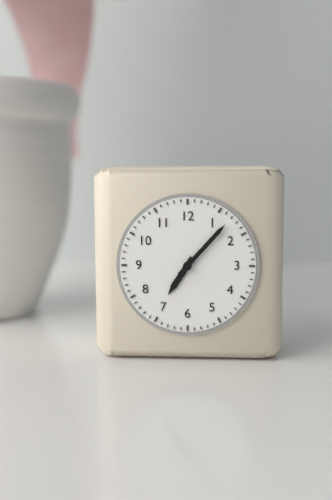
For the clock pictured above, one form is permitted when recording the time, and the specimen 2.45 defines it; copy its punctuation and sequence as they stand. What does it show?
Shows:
7.07
